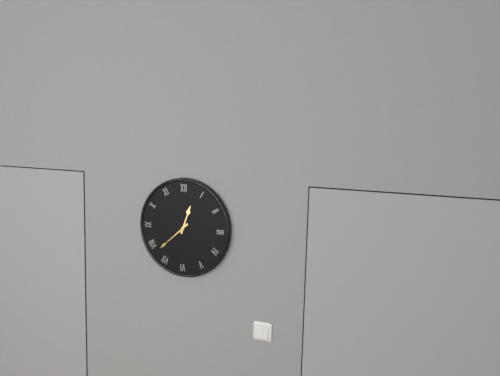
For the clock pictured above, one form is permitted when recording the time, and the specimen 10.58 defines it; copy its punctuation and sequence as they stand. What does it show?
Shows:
12.38
